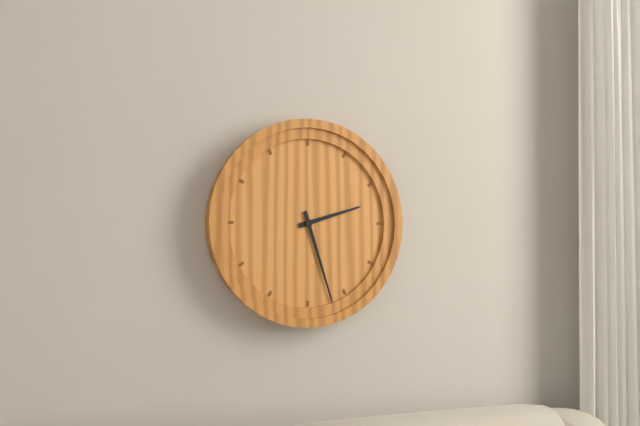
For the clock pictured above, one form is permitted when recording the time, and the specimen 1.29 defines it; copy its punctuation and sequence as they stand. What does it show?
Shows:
2.27
